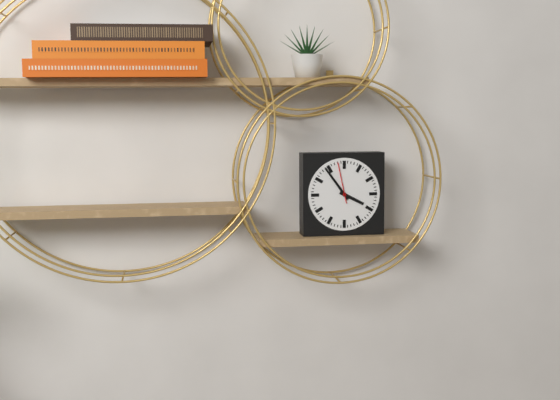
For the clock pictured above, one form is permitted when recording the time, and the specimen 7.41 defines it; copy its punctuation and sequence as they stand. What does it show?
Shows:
3.54
